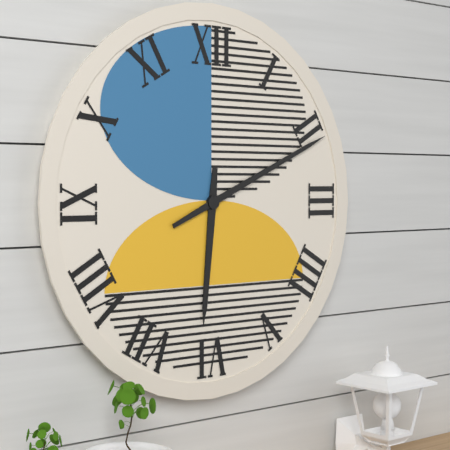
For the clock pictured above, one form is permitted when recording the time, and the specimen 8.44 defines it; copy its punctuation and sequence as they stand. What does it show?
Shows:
6.11
